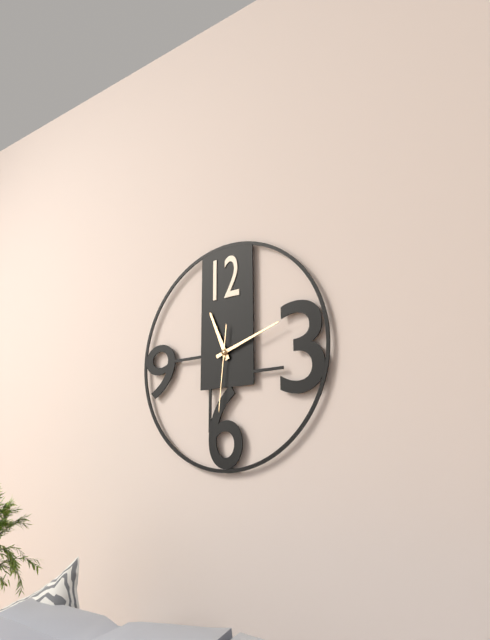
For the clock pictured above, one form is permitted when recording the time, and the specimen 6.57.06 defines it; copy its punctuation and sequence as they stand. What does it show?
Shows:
11.12.31
